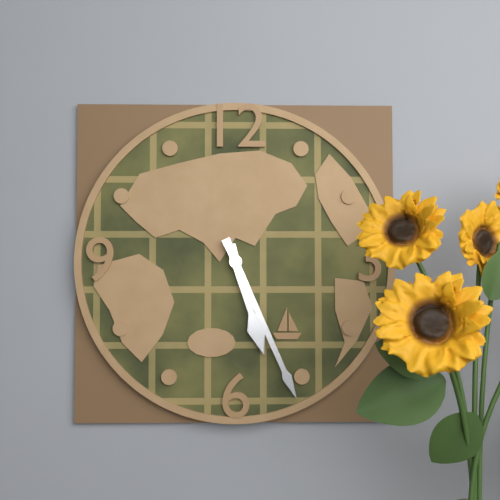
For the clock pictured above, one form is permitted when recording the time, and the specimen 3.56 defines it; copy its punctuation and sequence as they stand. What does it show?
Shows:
5.26
